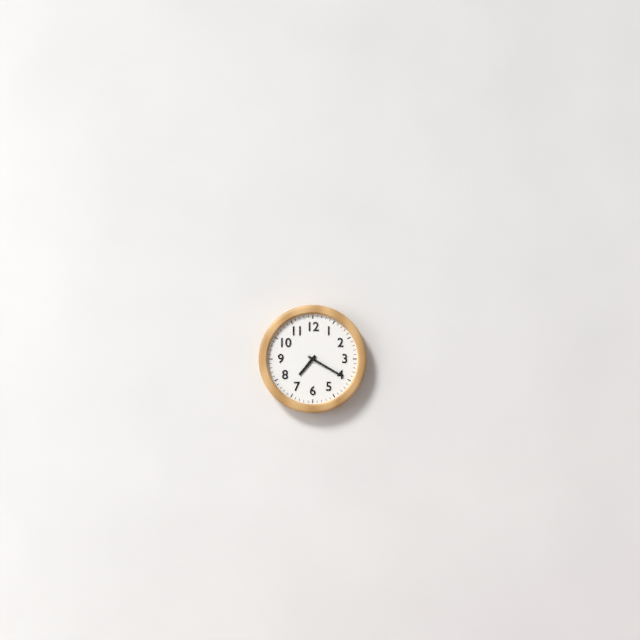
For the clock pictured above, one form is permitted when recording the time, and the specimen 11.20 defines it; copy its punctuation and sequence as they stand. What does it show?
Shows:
7.20
